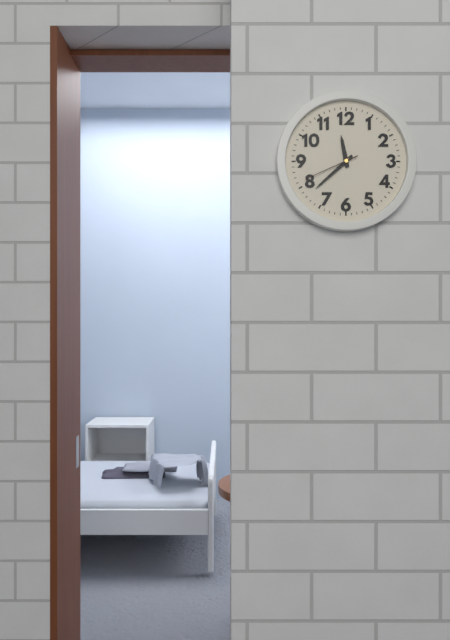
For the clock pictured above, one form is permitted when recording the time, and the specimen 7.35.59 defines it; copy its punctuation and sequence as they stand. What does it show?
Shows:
11.38.41
